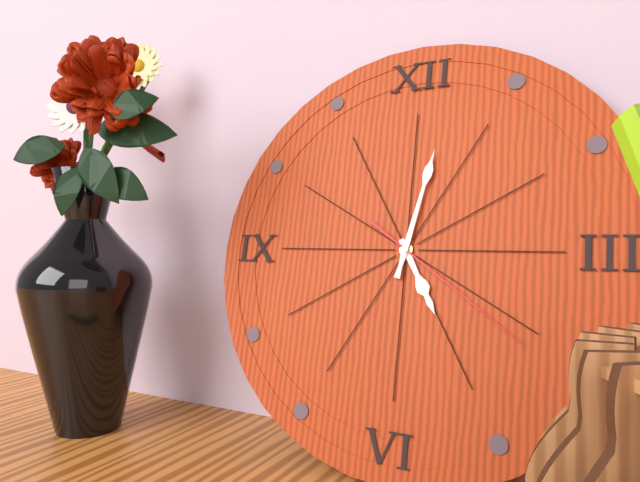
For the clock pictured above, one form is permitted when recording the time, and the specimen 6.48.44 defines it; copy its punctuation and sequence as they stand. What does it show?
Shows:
5.02.21
